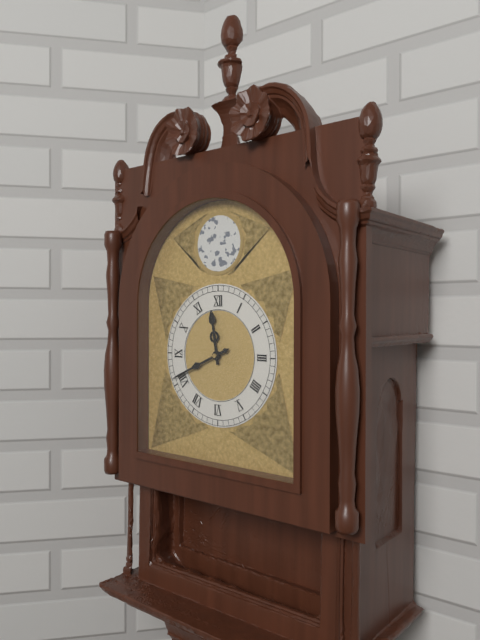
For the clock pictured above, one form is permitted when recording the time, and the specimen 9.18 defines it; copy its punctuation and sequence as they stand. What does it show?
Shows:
11.41
